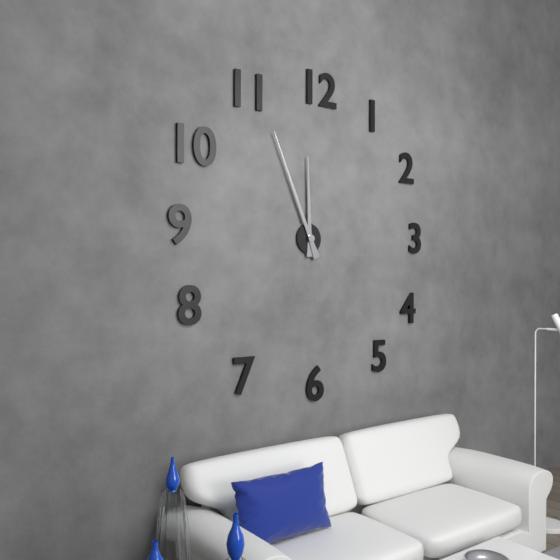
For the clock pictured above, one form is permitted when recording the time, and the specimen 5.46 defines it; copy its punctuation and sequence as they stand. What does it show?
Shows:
11.56
